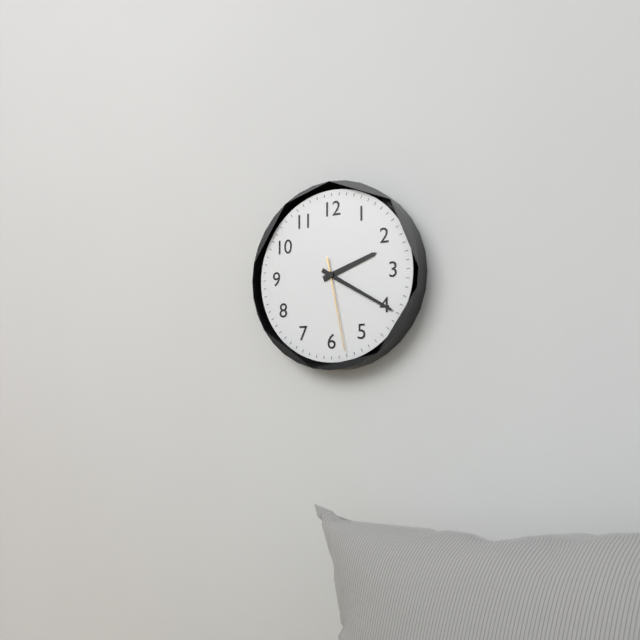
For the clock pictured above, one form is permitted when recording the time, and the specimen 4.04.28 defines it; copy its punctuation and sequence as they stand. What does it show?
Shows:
2.20.28
